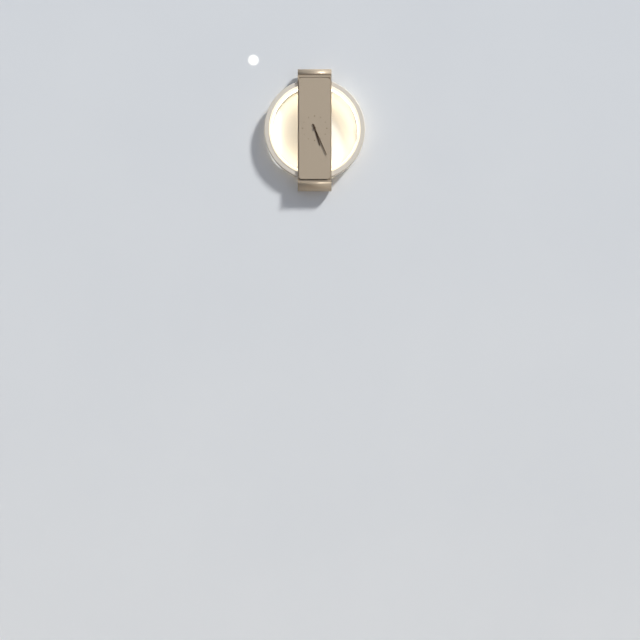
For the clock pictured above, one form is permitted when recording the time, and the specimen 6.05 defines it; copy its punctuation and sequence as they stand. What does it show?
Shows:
5.26
